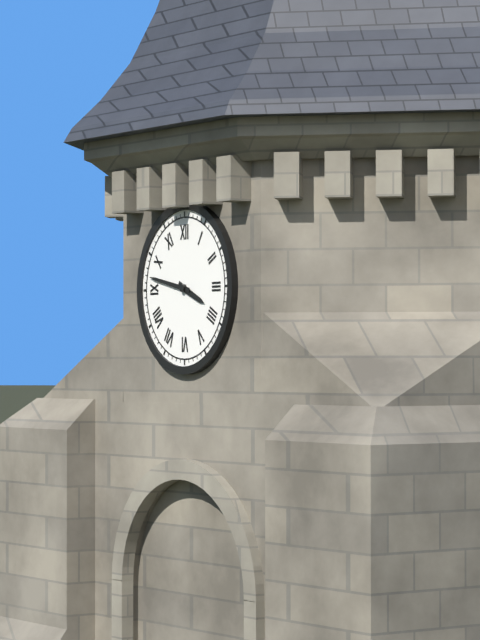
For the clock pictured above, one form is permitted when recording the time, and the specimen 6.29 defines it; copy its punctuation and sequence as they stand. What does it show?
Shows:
3.47
